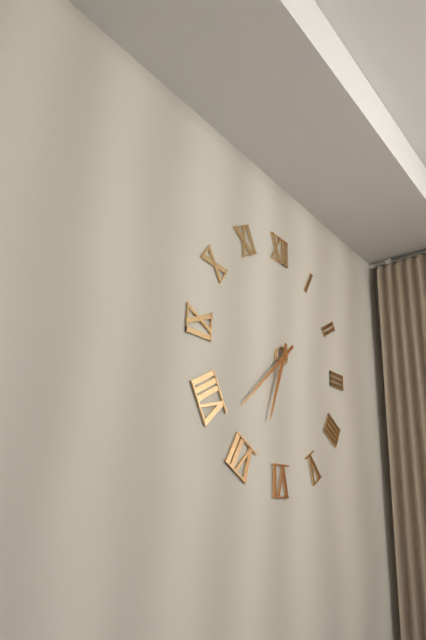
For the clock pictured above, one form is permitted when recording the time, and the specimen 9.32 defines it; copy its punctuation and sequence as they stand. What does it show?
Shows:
6.38
